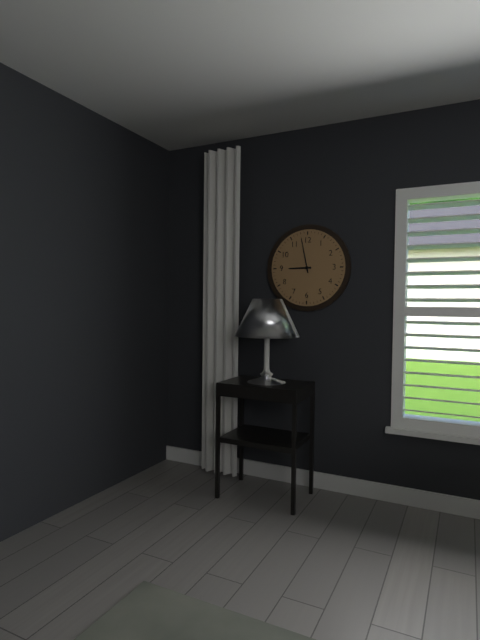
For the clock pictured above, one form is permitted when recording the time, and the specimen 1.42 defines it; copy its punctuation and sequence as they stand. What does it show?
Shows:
8.58
